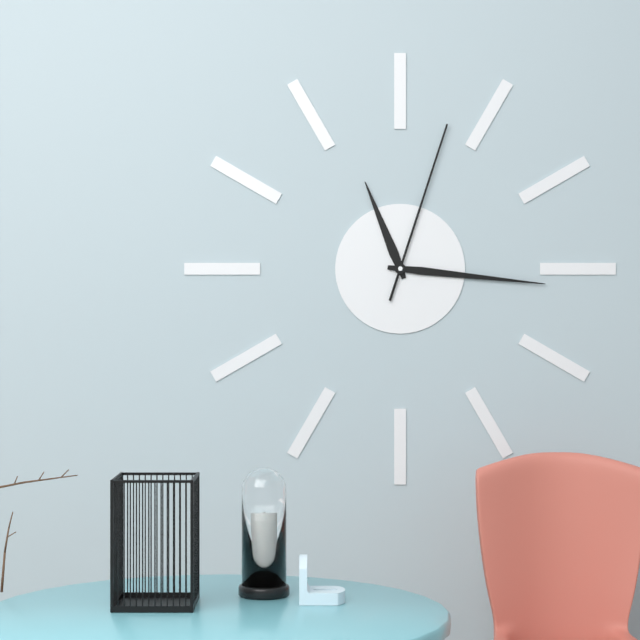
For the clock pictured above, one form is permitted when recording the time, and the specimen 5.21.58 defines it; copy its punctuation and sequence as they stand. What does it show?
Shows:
11.16.03
